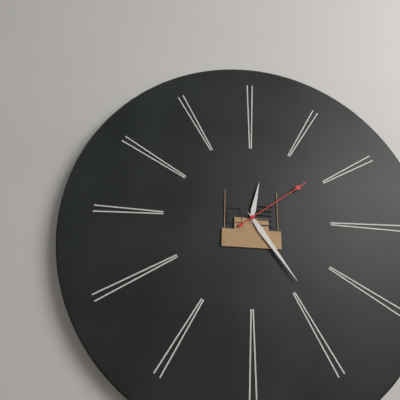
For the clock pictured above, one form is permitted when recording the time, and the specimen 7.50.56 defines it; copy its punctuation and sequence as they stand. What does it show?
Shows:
12.24.09
